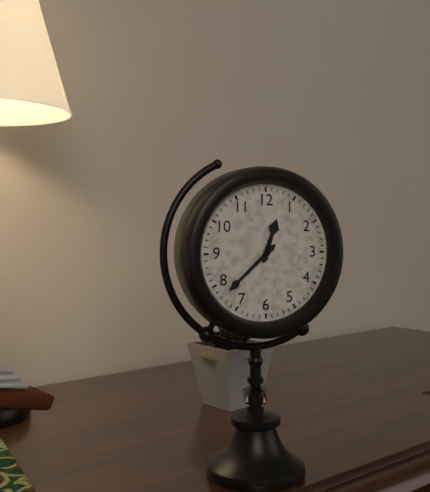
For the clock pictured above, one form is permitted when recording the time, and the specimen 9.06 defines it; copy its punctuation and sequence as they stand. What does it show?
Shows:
12.38
